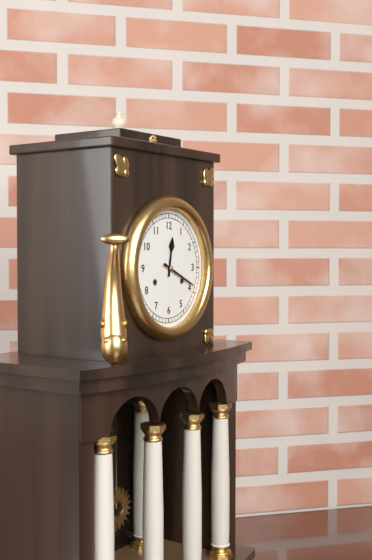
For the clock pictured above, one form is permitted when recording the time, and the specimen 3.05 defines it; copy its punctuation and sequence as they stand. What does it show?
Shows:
12.19
